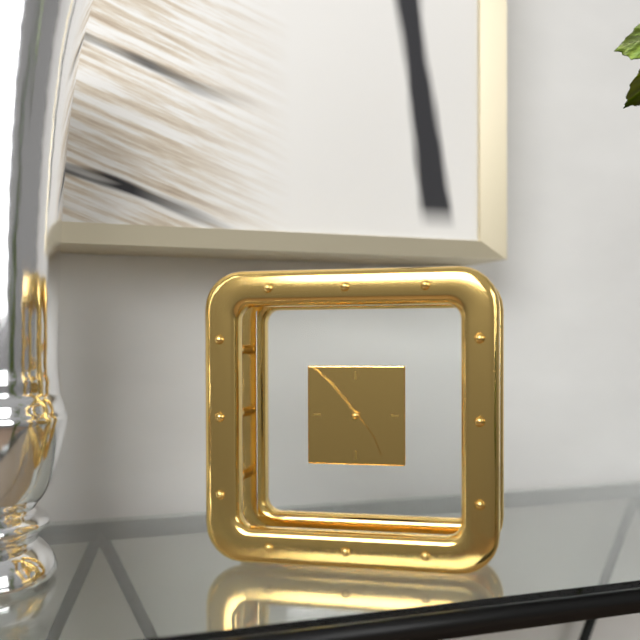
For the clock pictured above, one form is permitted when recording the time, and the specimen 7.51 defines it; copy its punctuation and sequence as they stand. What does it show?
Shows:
4.53
